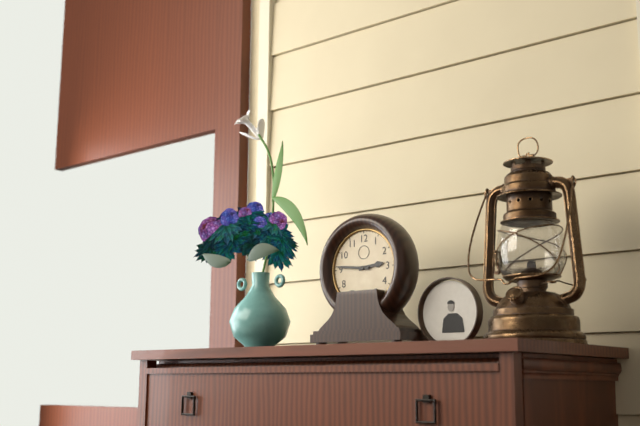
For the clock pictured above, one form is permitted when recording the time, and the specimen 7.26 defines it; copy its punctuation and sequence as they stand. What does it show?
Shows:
2.46
